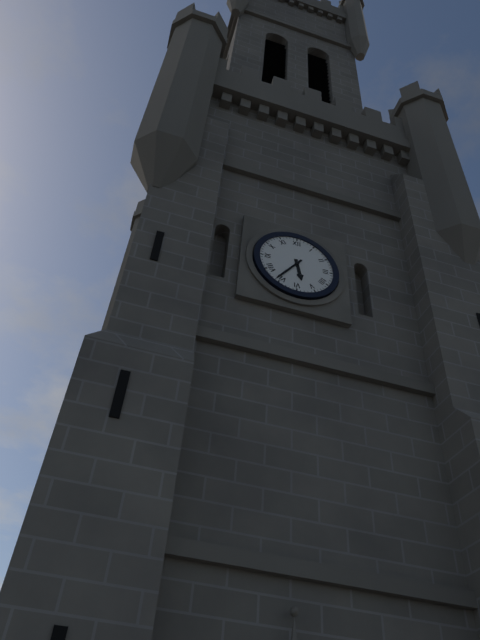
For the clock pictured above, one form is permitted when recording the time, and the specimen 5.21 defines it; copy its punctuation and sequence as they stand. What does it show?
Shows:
5.36
